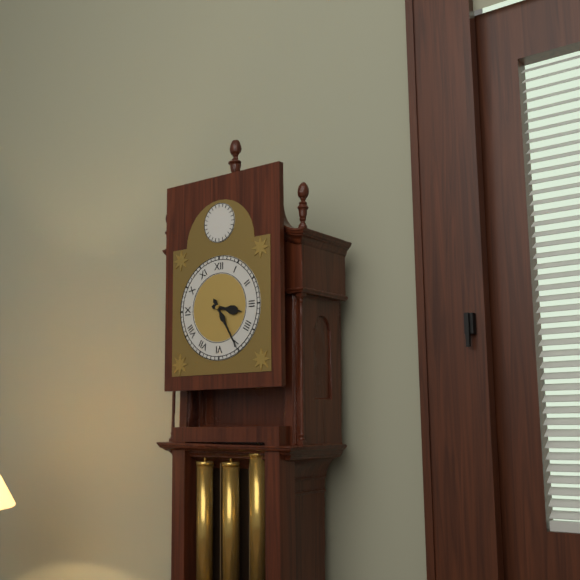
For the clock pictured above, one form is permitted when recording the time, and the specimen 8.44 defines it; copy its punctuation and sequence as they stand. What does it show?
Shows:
3.25
